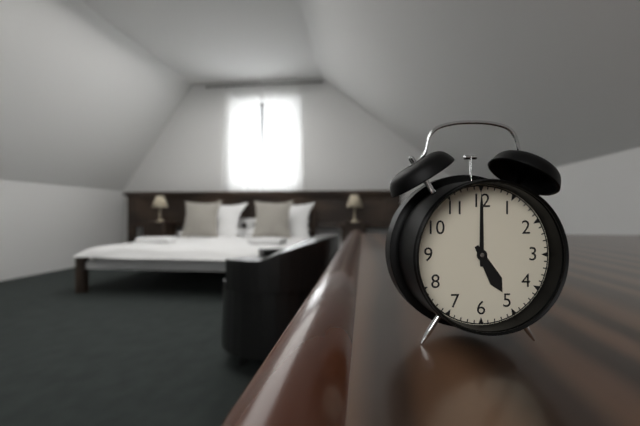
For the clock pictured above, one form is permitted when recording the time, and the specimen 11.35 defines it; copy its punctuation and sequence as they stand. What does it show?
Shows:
5.00
